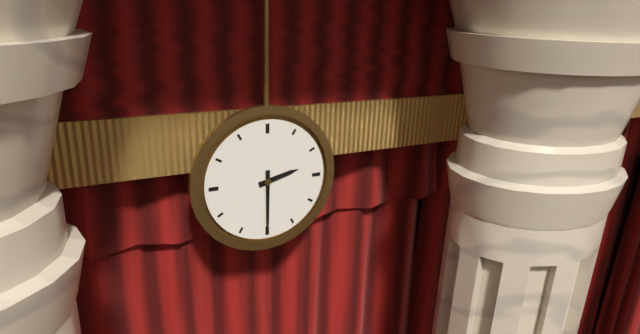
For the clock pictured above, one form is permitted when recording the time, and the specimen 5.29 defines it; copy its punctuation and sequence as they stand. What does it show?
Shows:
2.30
